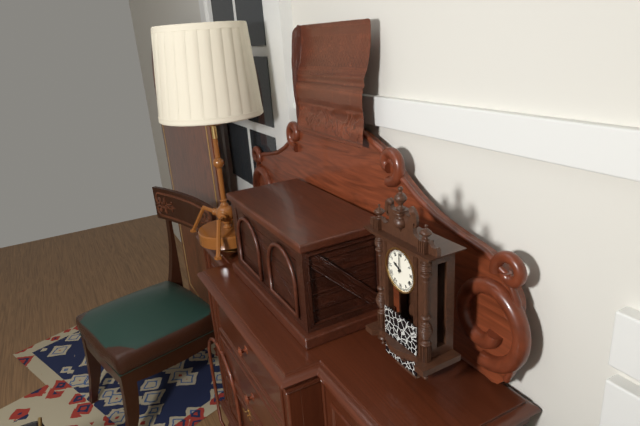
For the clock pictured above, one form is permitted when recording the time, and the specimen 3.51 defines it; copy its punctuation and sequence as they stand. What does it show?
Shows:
10.00
